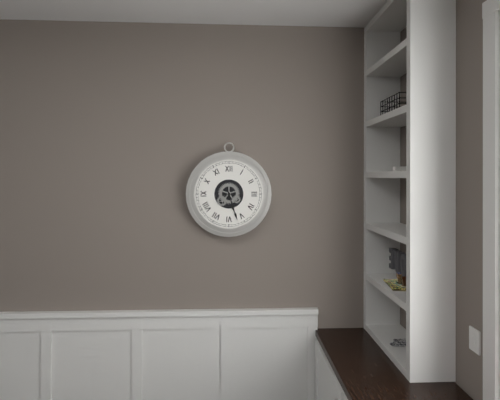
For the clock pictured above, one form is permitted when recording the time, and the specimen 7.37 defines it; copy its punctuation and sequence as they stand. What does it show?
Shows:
5.27
